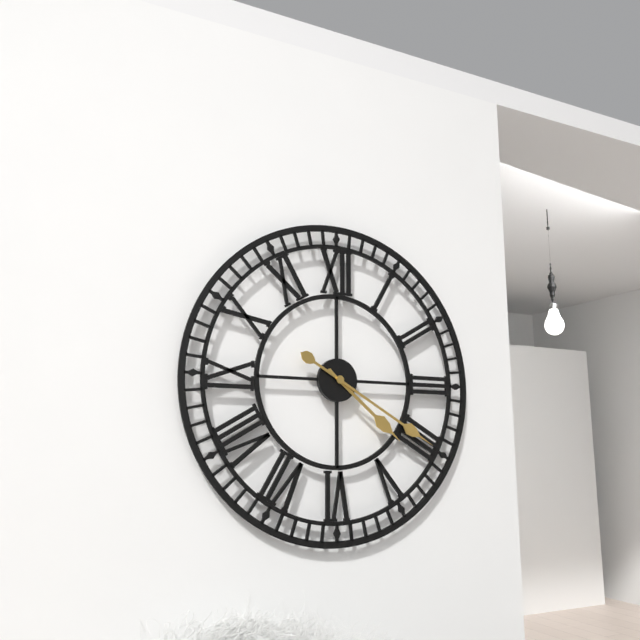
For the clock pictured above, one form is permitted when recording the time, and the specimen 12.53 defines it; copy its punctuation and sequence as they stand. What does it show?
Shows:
4.20
